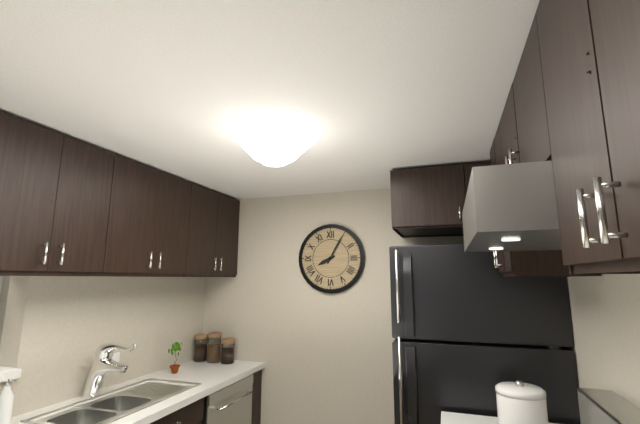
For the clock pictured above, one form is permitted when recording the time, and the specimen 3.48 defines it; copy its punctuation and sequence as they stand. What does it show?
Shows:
8.05
